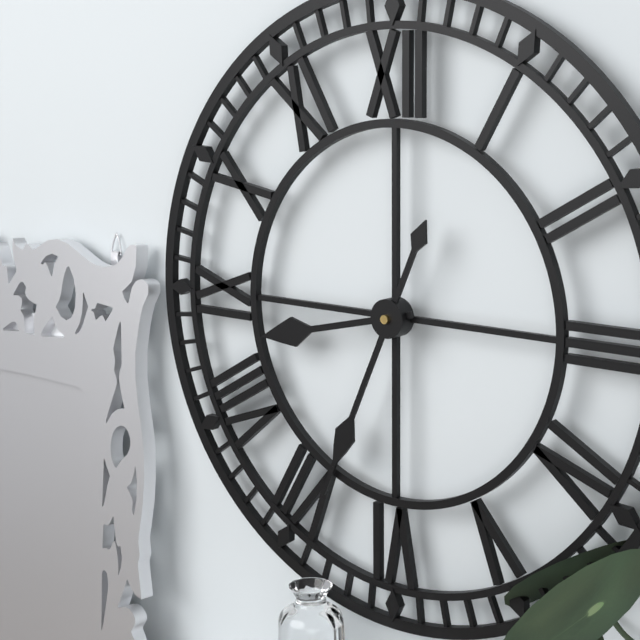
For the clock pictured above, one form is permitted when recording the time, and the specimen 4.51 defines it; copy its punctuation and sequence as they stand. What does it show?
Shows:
8.34
